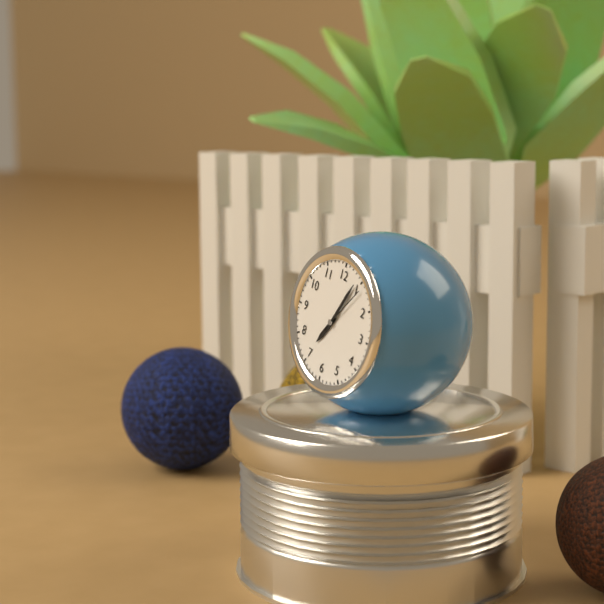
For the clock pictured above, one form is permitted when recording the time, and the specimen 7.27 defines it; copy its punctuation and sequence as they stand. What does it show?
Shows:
7.04
